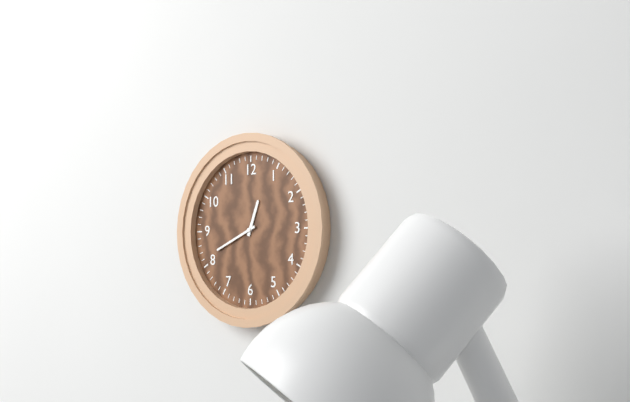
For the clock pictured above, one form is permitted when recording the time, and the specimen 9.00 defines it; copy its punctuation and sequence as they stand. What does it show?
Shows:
12.41
